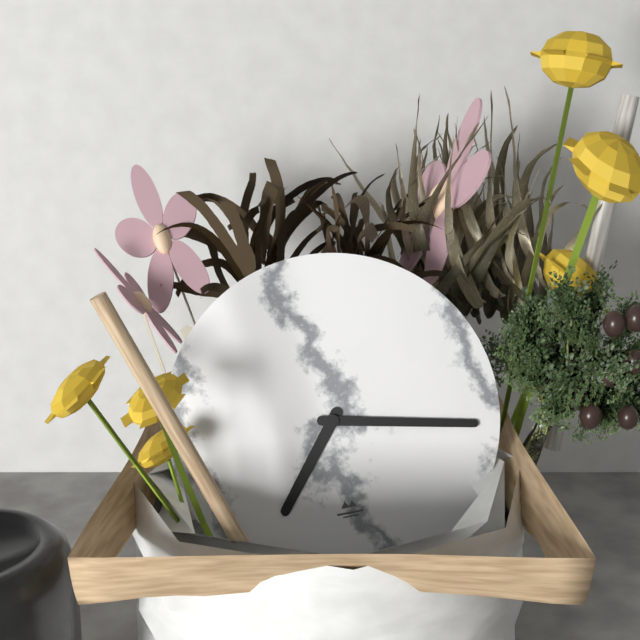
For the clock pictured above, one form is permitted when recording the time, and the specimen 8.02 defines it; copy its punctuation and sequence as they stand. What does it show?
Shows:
7.17
